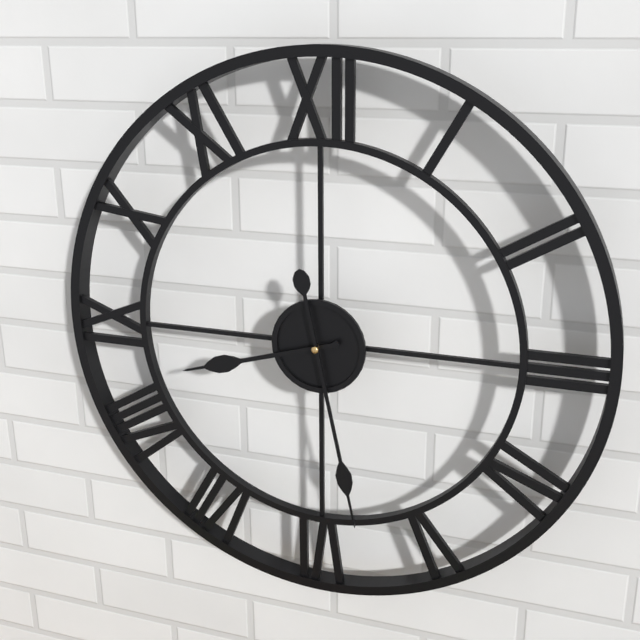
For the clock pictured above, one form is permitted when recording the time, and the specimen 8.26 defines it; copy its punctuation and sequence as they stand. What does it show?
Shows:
8.28
